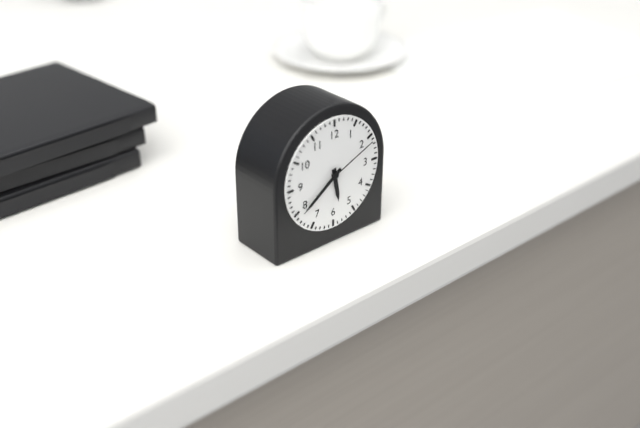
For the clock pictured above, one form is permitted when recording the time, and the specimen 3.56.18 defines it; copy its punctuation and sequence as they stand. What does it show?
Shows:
5.39.11
